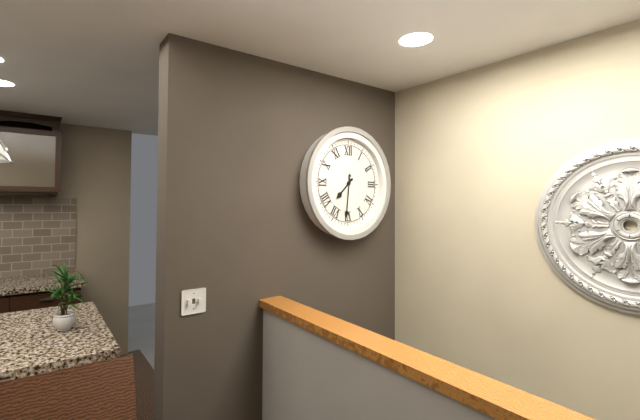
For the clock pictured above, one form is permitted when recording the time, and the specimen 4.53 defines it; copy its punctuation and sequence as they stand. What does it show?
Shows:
7.31
